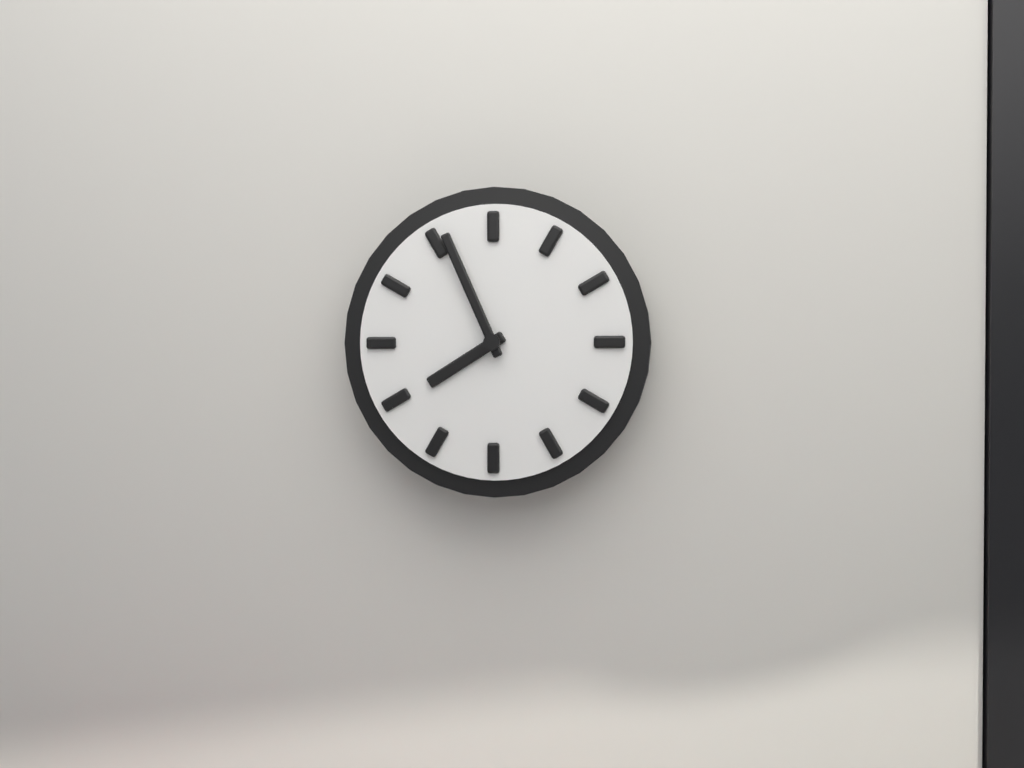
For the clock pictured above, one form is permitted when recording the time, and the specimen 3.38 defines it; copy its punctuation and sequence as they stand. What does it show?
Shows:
7.56
